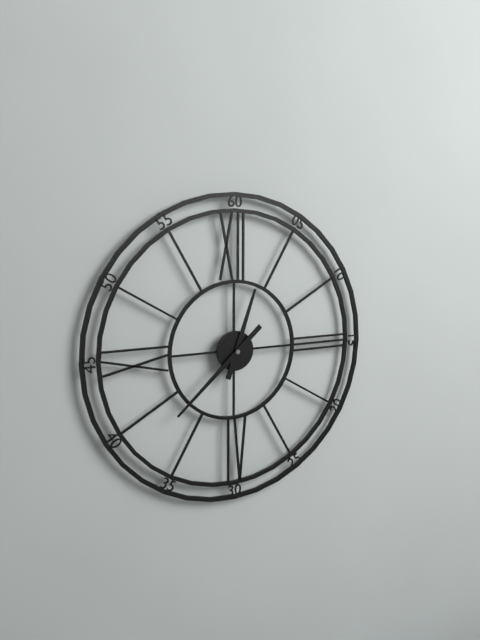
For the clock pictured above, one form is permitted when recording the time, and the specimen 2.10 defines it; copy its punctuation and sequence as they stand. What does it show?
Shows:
12.38
